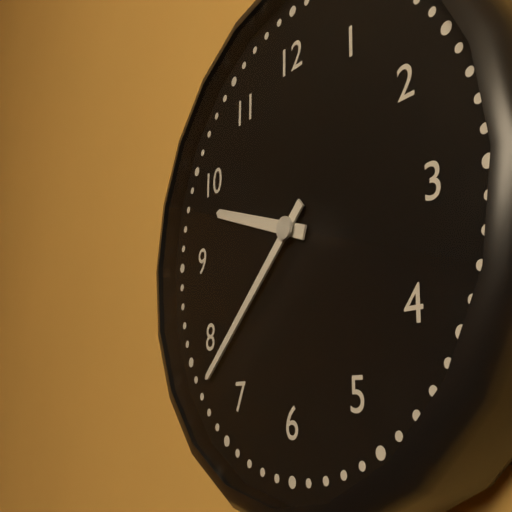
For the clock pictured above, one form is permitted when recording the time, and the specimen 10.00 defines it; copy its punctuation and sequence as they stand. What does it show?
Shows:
9.38
